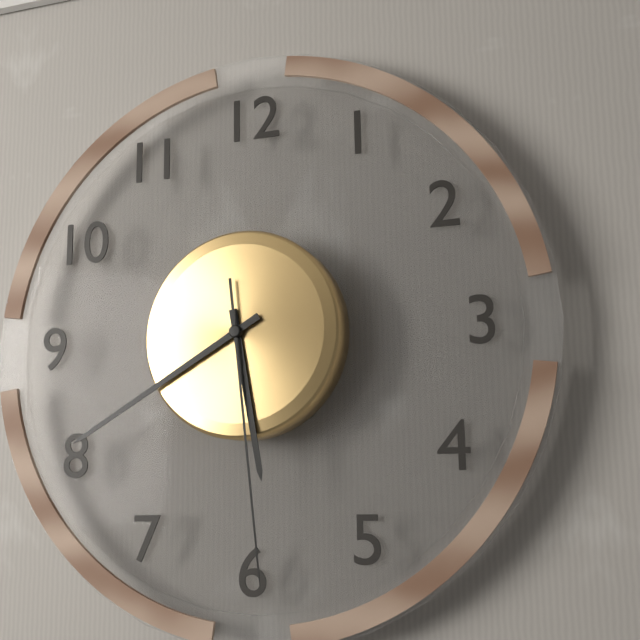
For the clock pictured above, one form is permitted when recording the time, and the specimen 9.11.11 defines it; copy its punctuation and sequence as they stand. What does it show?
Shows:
5.40.29
